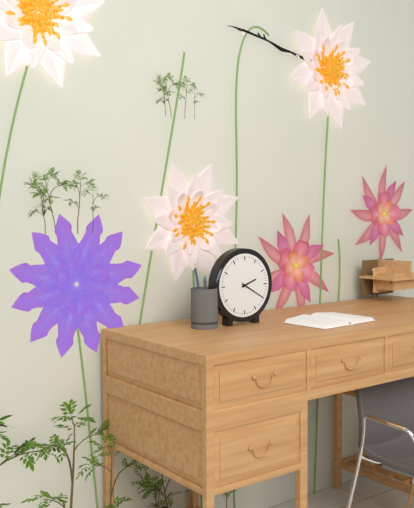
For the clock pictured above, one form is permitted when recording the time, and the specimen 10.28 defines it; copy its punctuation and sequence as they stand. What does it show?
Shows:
2.20
